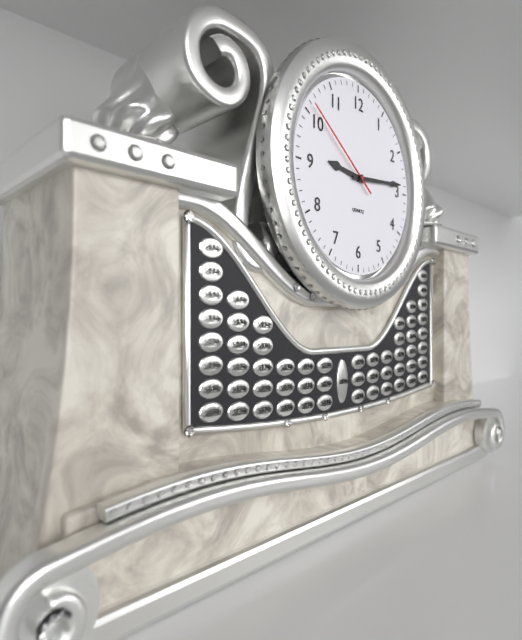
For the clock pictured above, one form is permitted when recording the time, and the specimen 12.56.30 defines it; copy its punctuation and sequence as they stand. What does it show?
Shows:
9.14.51
